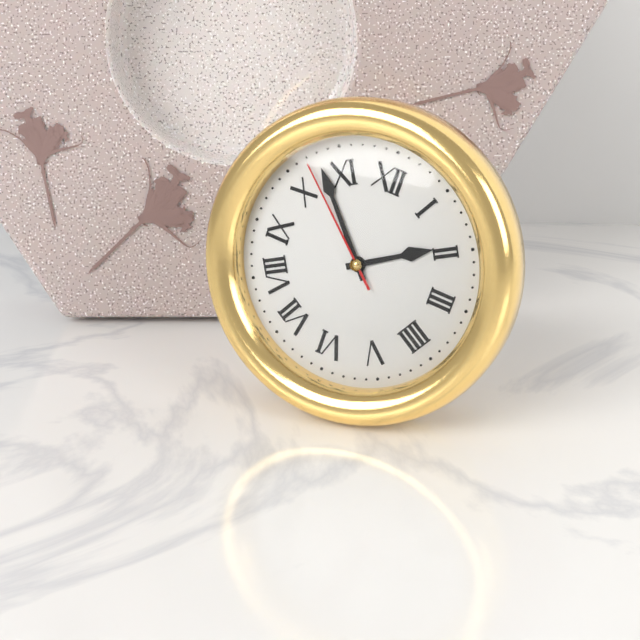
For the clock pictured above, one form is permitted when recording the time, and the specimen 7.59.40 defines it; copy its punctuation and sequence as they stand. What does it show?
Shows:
1.53.52
